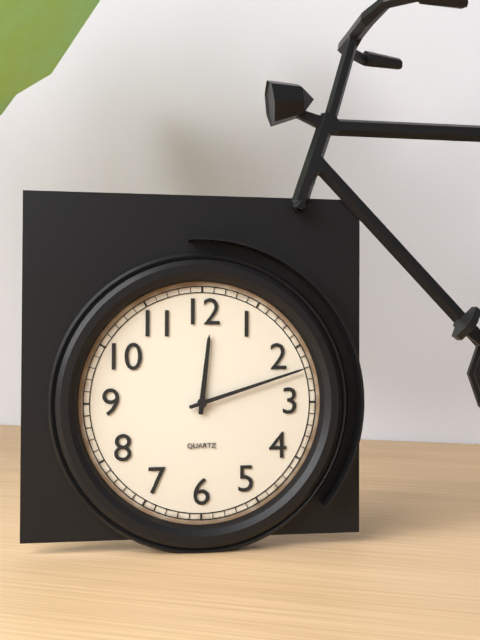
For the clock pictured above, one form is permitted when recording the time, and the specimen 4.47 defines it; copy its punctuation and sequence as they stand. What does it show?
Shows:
12.12
